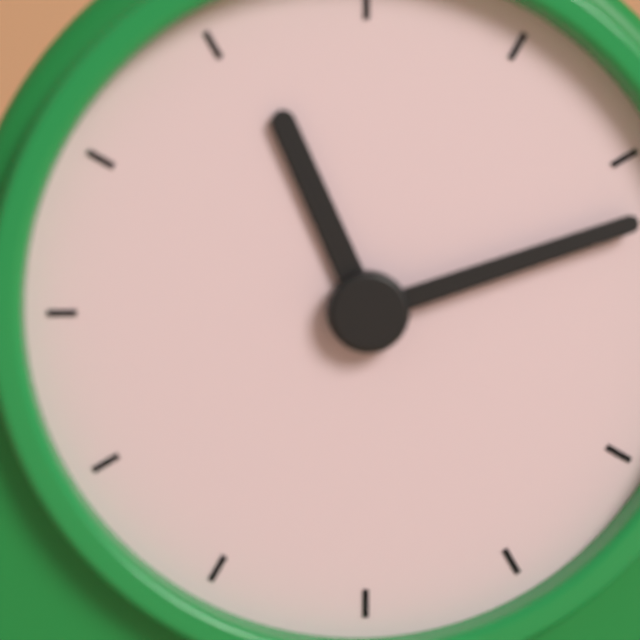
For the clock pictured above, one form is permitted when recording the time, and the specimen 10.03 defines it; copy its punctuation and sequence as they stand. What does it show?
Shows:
11.12
